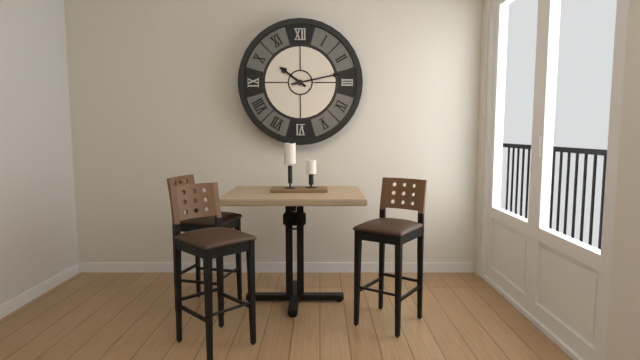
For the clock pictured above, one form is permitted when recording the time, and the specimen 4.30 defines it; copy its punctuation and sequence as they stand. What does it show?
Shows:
10.13
